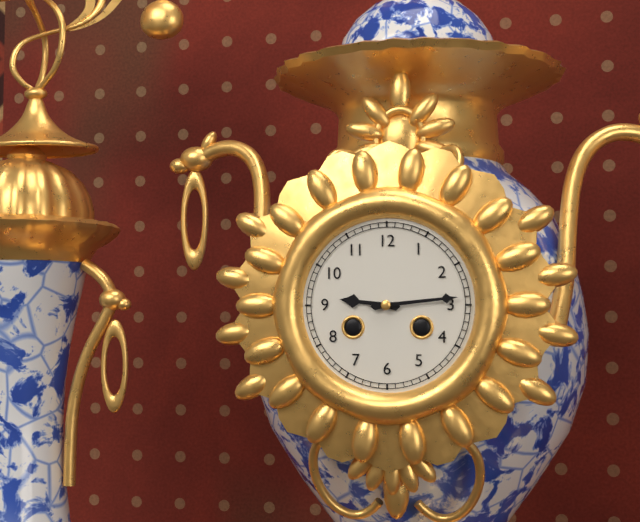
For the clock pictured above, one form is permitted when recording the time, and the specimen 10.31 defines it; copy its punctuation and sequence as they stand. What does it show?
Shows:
9.14
